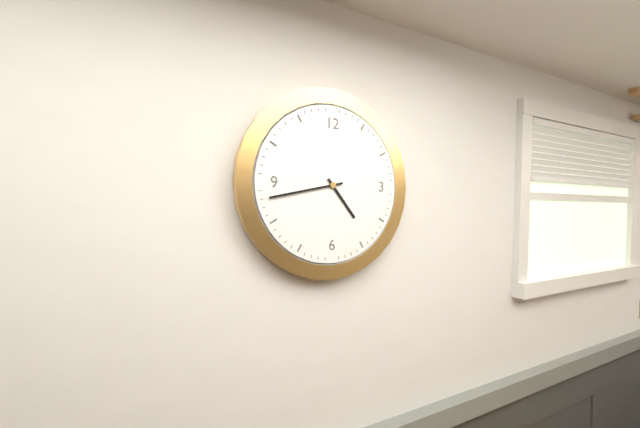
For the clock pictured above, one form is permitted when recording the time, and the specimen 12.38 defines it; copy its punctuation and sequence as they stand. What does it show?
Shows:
4.43
